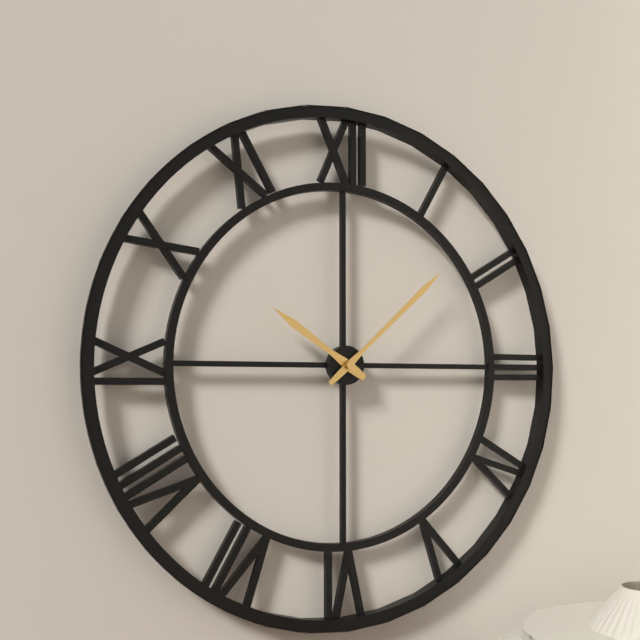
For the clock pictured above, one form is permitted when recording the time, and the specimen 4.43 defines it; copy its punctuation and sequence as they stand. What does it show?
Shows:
10.08
